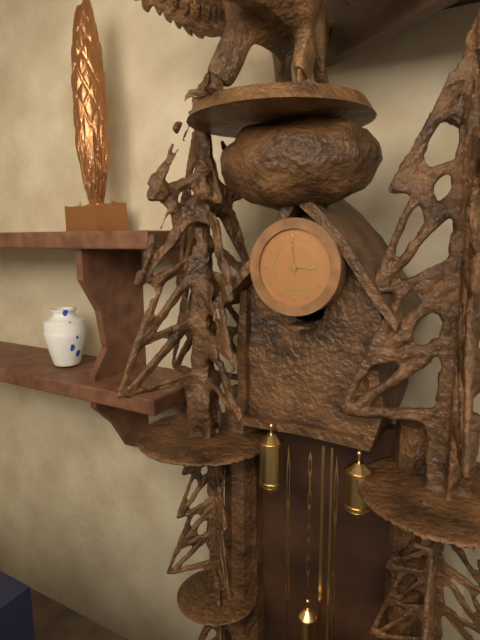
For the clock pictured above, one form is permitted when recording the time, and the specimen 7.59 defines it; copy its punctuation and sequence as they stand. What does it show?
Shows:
2.59
